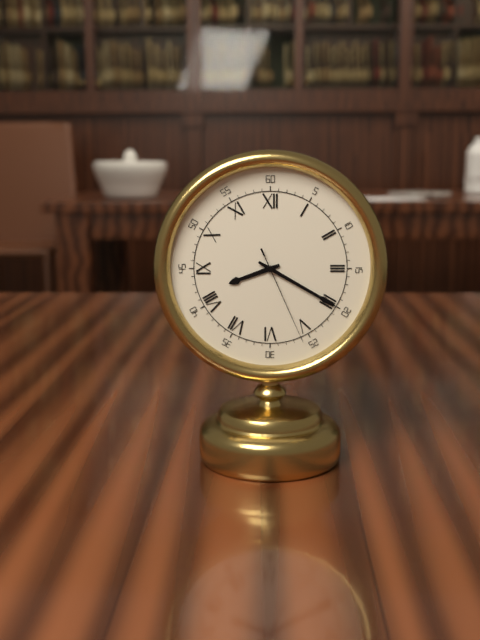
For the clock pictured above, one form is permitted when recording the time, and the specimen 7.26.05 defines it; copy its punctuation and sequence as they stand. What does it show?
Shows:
8.20.26
